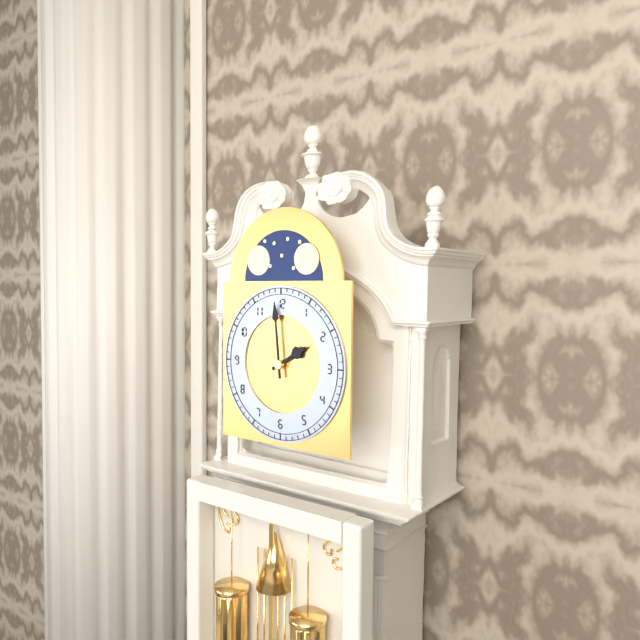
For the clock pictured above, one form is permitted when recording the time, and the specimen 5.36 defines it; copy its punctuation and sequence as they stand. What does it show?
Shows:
1.59
